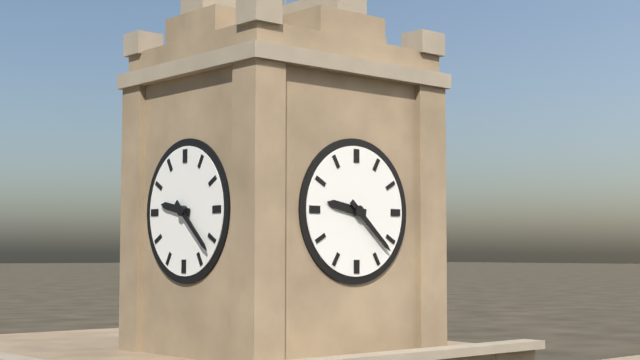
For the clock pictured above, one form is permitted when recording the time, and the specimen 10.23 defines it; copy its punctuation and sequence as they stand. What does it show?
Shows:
9.22
